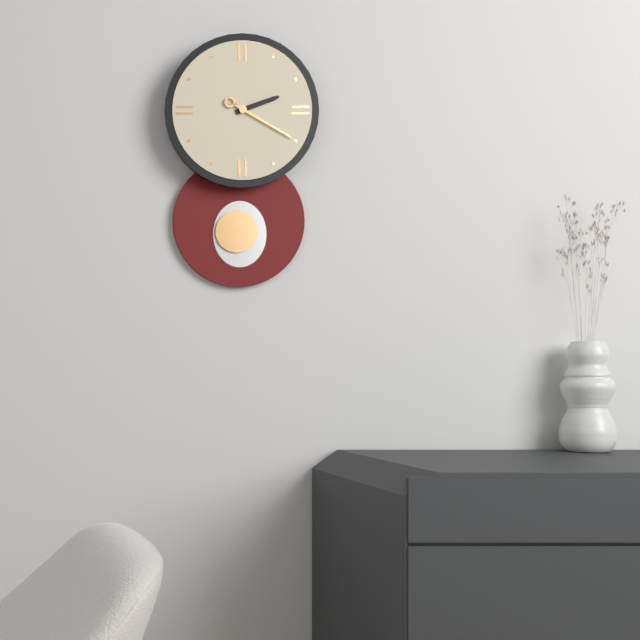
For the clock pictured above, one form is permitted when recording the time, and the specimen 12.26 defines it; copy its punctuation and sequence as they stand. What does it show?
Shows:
2.20
